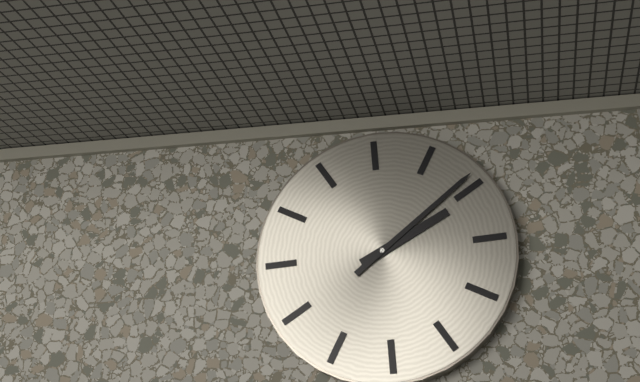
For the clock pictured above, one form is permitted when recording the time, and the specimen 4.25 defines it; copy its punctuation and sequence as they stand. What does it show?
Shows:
2.09
